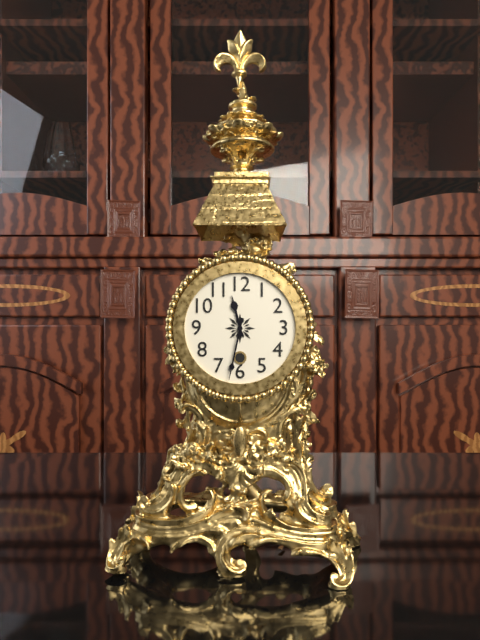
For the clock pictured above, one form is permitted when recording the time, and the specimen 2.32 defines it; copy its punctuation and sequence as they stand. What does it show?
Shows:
11.32
